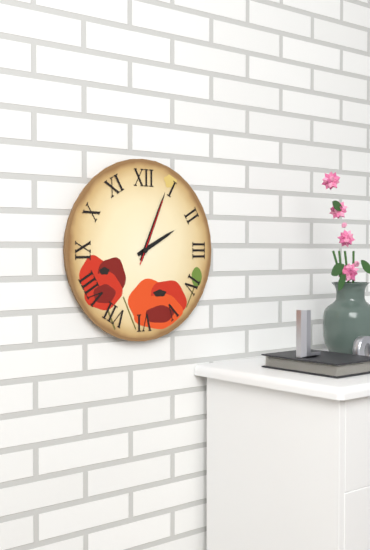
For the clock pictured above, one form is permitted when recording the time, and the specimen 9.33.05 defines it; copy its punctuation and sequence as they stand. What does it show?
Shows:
2.04.04
